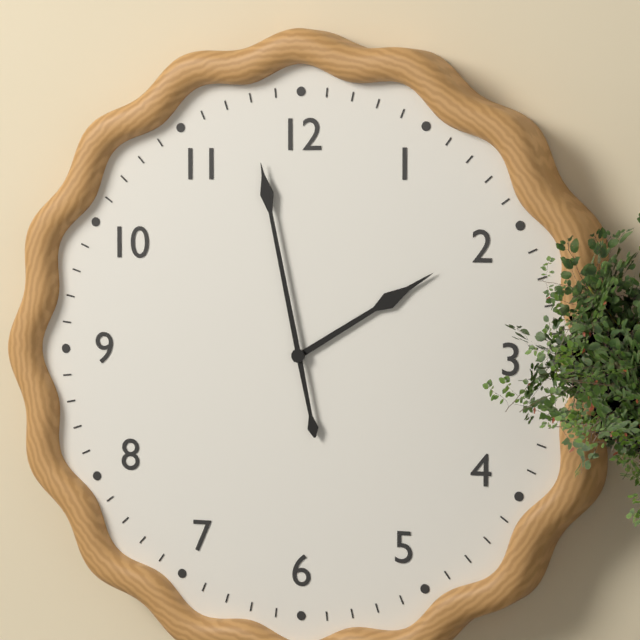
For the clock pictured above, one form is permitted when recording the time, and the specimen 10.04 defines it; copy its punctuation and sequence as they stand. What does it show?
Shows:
1.58
